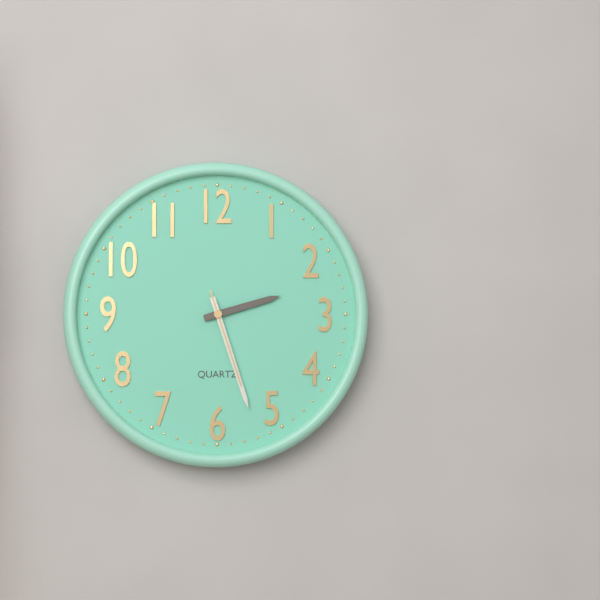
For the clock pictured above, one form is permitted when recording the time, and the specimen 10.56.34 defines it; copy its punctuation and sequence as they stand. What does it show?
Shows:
2.27.27
